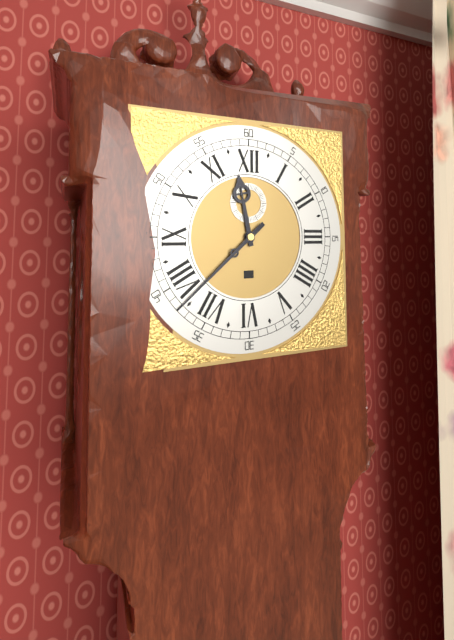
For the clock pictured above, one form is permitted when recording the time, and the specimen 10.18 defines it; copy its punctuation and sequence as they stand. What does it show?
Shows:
11.38
